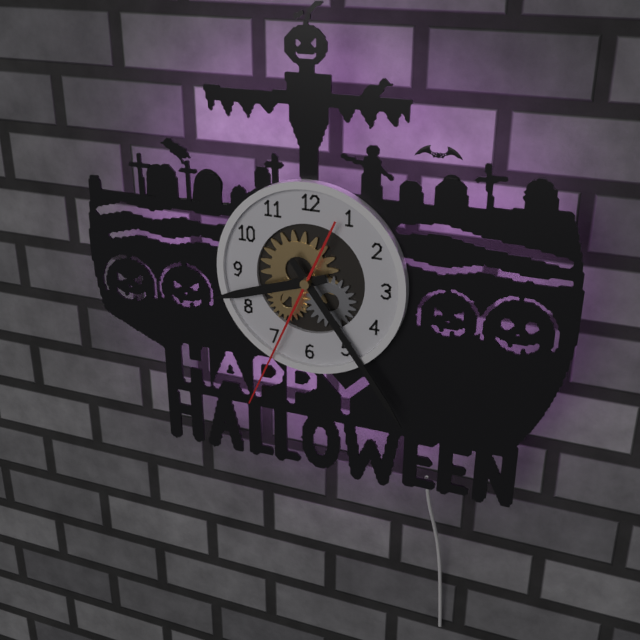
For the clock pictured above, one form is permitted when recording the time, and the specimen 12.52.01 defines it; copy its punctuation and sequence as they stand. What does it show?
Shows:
8.24.34
